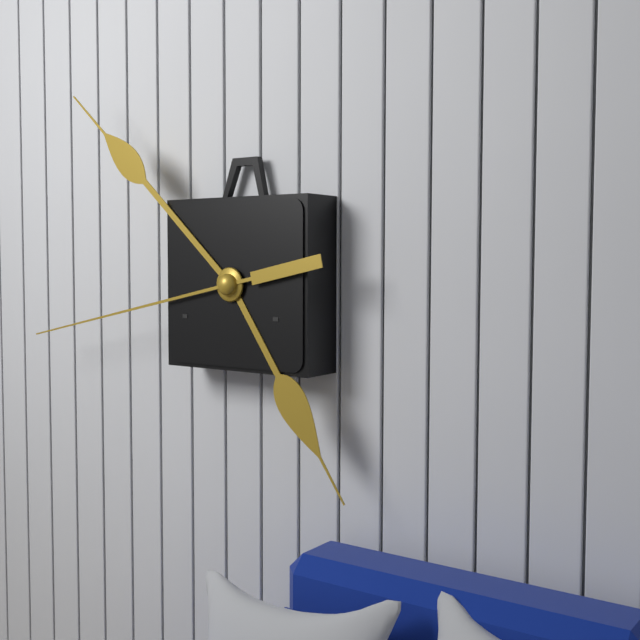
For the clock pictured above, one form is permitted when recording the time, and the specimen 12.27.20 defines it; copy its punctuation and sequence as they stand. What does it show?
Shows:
4.52.43
